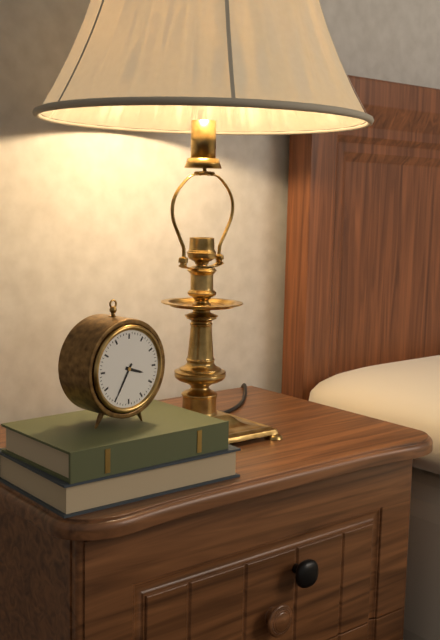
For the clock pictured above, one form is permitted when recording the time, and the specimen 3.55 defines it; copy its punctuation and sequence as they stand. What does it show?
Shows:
3.35
